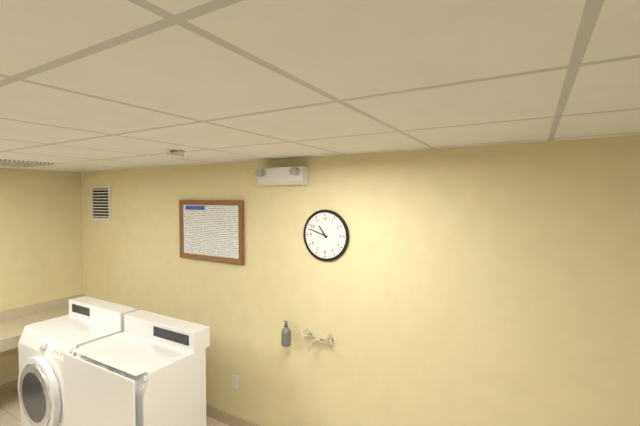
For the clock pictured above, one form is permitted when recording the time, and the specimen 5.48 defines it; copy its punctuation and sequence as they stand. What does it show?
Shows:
10.48
